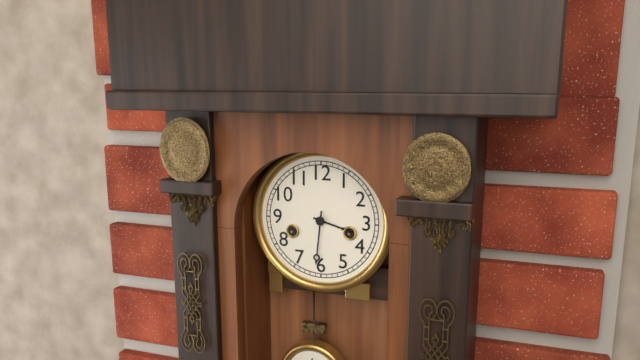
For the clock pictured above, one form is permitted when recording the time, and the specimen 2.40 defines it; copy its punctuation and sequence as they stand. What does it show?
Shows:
3.31
